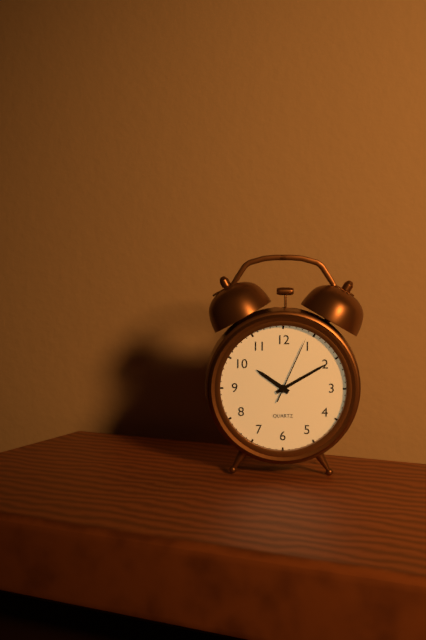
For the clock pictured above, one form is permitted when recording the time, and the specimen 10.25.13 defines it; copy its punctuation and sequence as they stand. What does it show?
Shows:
10.10.04
